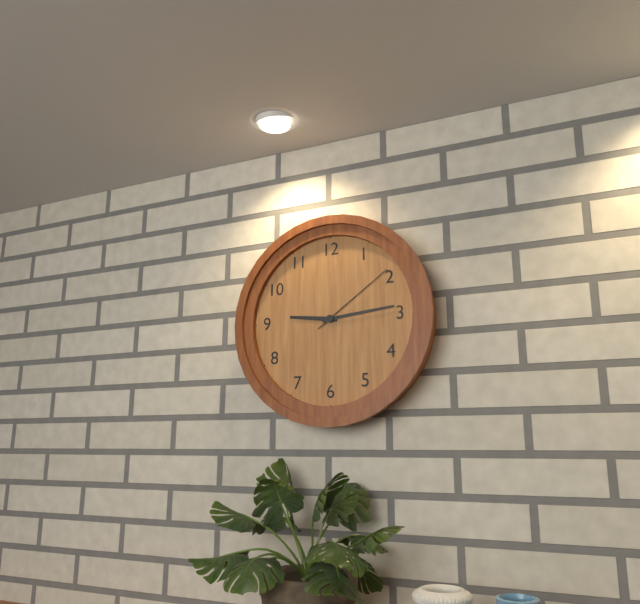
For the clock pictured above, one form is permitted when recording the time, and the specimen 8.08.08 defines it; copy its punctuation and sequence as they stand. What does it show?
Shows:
9.14.09
